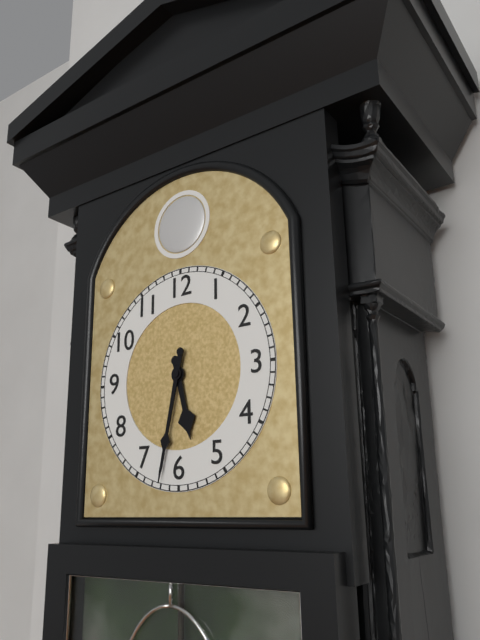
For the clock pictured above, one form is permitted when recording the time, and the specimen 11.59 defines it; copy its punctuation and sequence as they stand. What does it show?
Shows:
5.32
